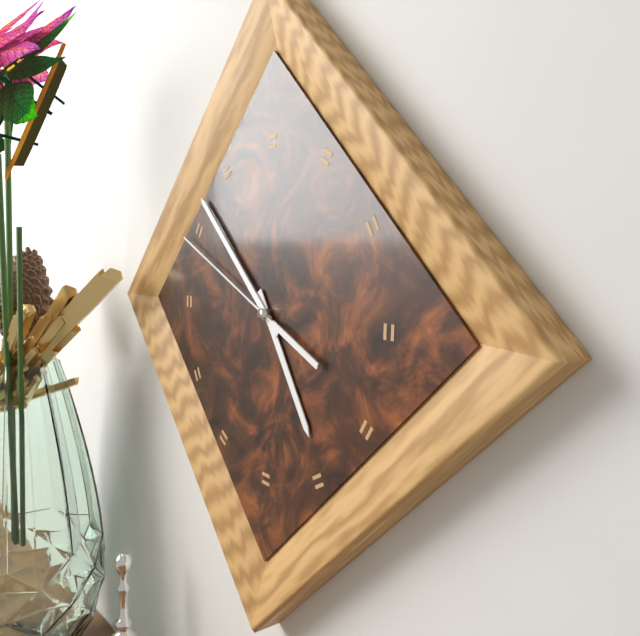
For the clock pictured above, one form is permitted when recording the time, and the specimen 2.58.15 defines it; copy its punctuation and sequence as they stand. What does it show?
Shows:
4.52.49
